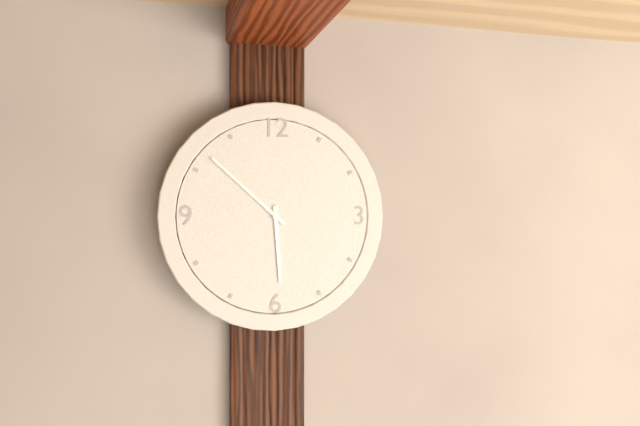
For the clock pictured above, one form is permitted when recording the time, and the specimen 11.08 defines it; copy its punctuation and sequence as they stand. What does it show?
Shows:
5.52
